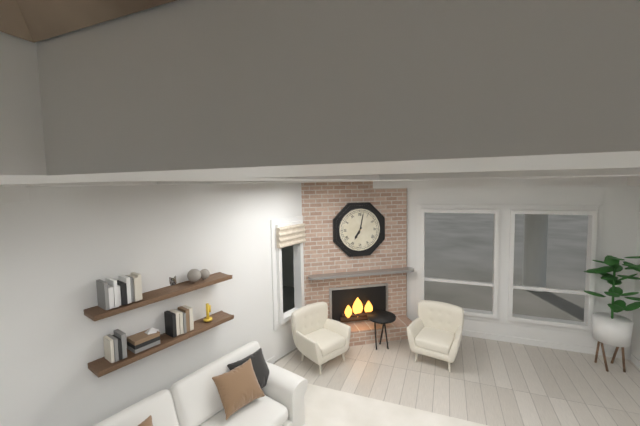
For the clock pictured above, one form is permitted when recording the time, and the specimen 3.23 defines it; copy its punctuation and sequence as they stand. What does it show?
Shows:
7.02
